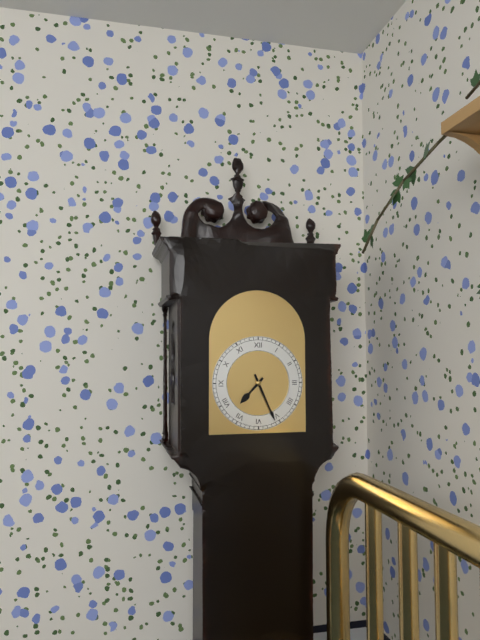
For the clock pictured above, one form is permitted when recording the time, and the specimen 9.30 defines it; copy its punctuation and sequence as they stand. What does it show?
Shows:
7.26
